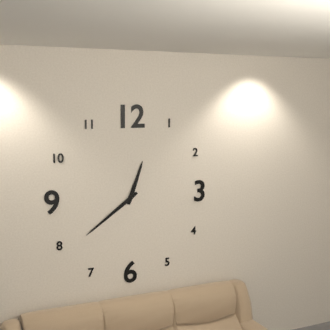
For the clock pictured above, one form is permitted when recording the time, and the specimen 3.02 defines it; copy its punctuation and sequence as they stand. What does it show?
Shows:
12.39
